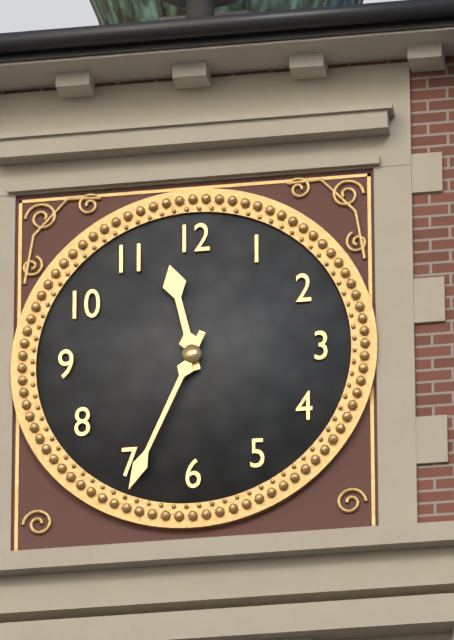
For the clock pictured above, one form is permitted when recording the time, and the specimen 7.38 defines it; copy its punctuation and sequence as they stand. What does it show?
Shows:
11.34
